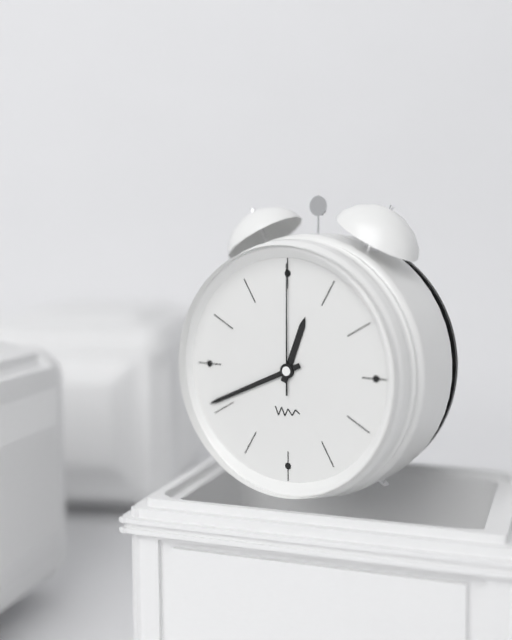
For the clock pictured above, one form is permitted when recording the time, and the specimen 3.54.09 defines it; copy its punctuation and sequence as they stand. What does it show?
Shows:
12.41.00
